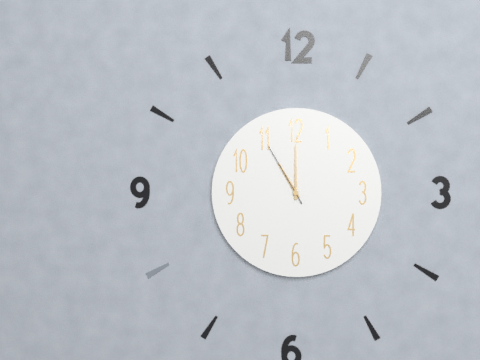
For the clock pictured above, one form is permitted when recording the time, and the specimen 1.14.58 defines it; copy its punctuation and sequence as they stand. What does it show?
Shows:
11.00.55
